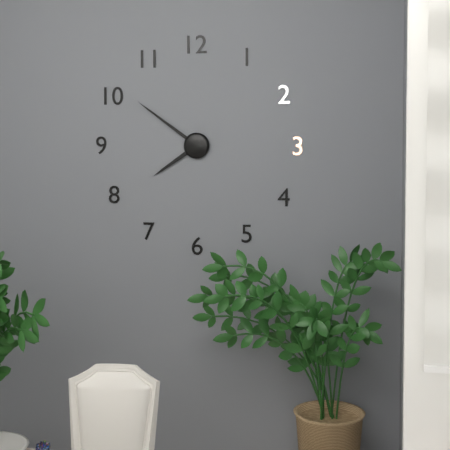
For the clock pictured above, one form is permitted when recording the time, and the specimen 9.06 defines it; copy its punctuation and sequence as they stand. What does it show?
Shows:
7.51
